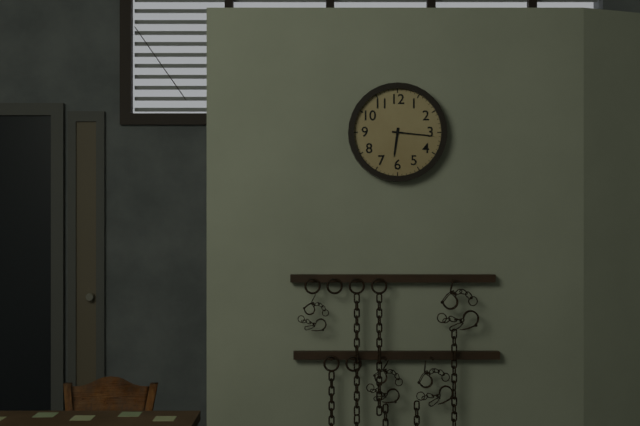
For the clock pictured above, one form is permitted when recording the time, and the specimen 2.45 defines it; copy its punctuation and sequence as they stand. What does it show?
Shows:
6.16
